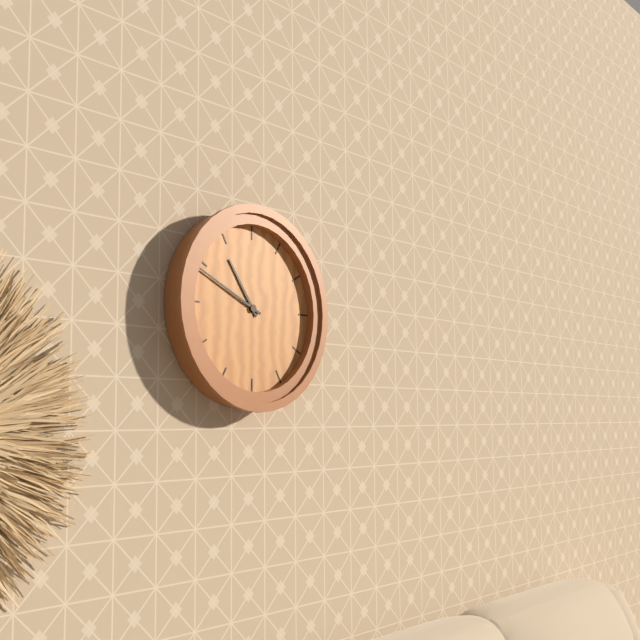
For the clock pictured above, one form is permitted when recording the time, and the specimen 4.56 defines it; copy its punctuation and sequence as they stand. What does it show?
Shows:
10.49
